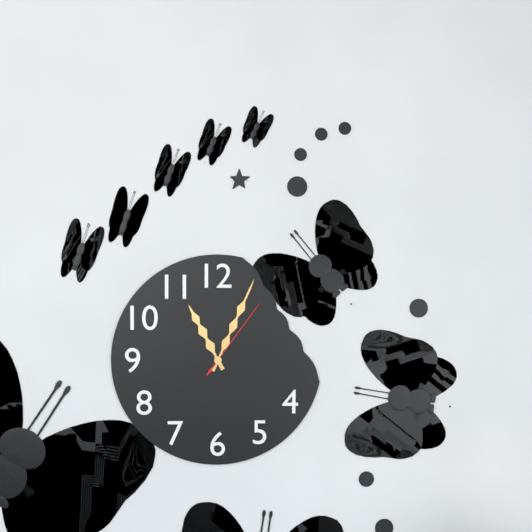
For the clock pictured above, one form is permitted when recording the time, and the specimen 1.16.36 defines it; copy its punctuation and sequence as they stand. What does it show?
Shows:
11.04.06
